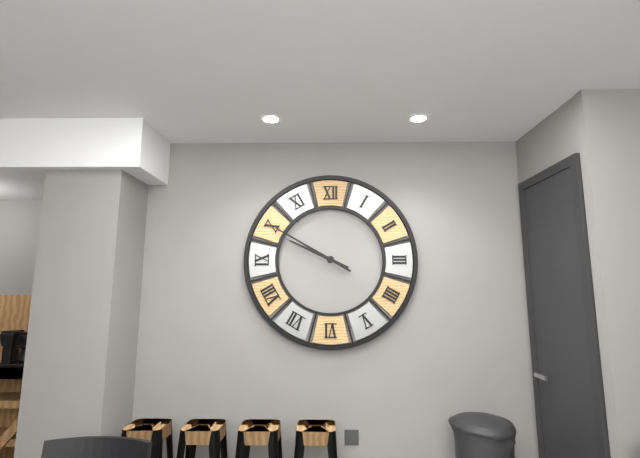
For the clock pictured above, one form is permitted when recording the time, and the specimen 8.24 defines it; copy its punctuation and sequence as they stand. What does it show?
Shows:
9.50
